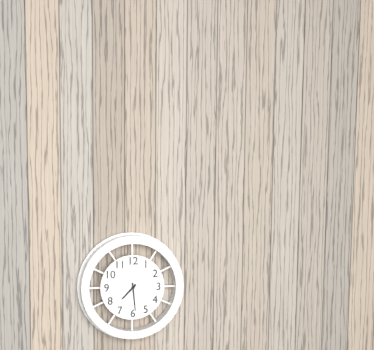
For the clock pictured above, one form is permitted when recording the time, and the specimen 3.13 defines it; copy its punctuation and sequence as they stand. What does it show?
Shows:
7.29
